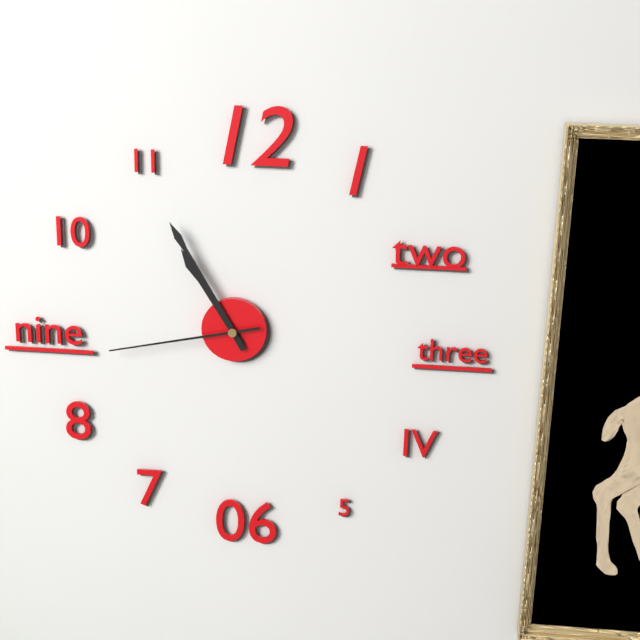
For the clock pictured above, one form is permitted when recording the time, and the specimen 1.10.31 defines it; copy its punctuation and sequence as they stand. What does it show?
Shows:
10.55.43
